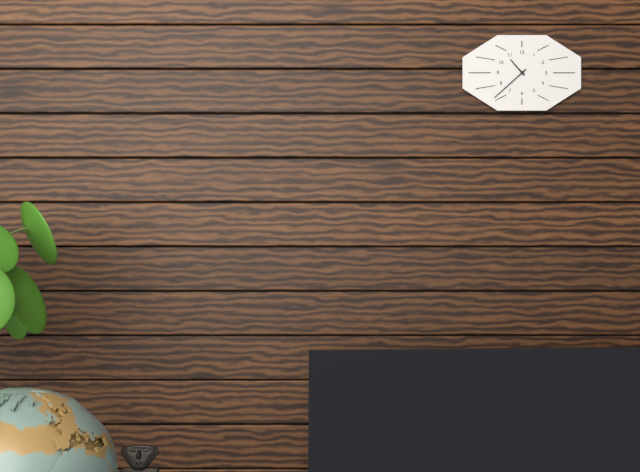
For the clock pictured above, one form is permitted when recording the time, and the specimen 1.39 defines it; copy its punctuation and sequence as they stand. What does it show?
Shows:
10.38
